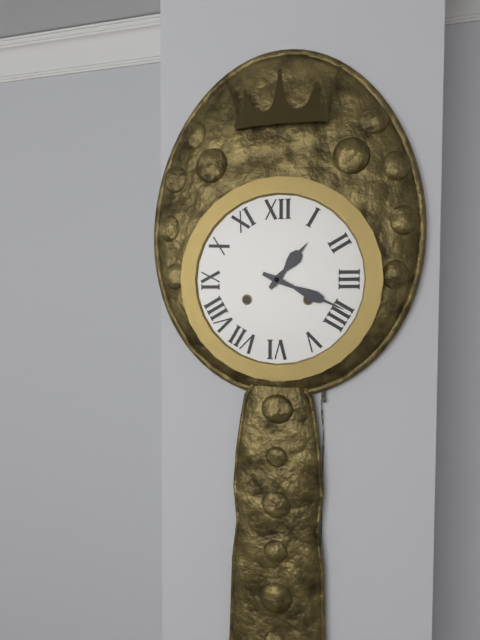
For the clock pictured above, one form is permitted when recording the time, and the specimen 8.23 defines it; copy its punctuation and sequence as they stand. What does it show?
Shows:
1.19
